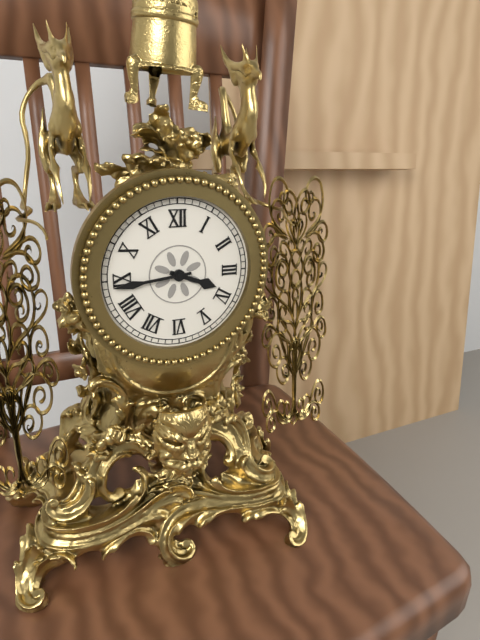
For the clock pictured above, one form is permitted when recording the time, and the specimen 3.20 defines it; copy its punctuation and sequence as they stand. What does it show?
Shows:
3.44
